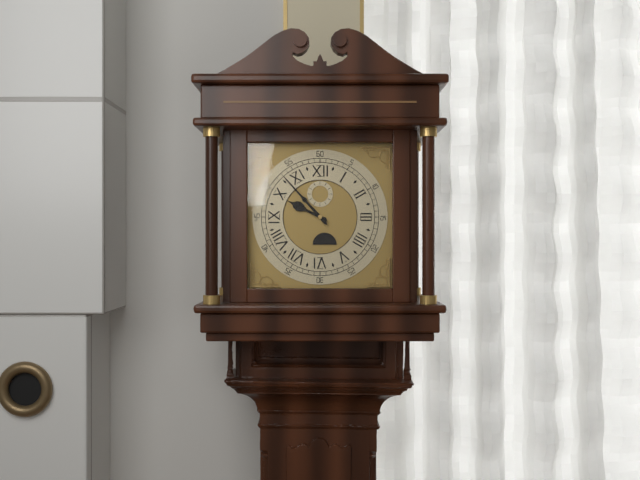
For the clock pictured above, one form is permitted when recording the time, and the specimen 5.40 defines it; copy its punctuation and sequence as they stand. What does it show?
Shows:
9.53
